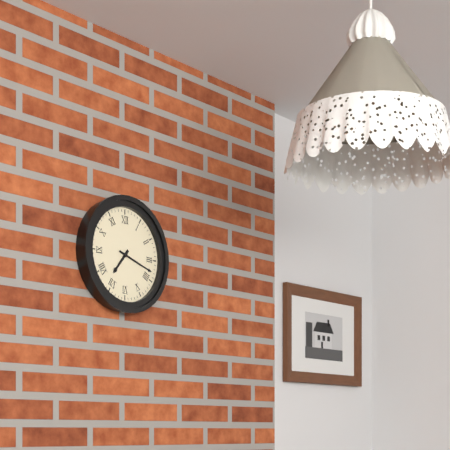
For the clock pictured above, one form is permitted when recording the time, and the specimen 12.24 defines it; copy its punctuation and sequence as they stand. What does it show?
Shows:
7.18
